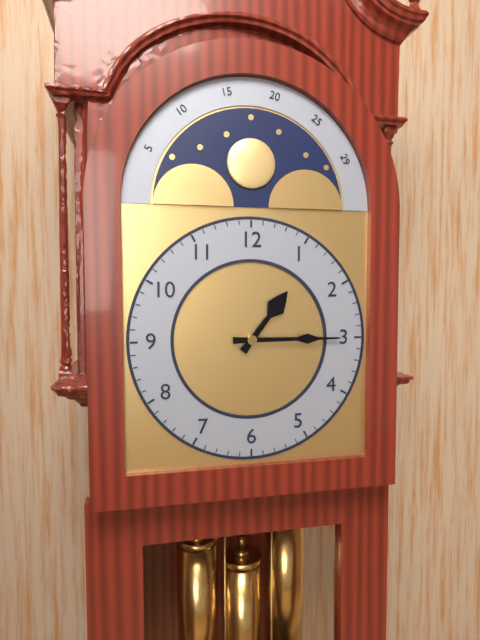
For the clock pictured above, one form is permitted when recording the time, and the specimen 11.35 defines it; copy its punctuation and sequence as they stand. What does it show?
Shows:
1.15
